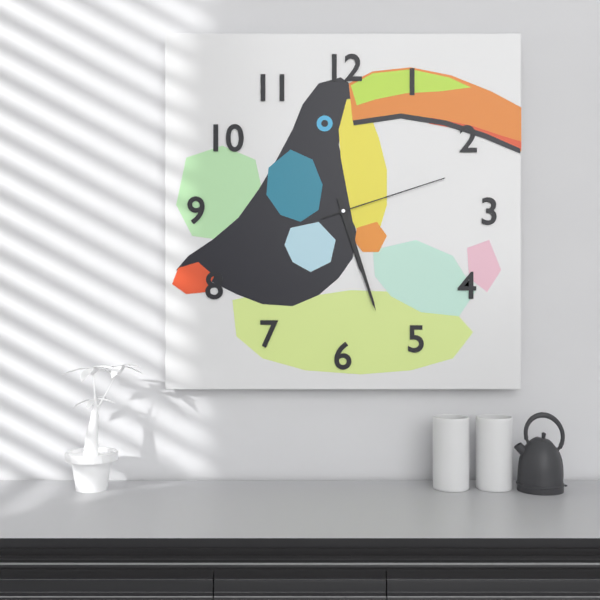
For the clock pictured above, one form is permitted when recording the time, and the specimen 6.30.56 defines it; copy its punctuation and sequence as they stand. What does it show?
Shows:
5.27.12
